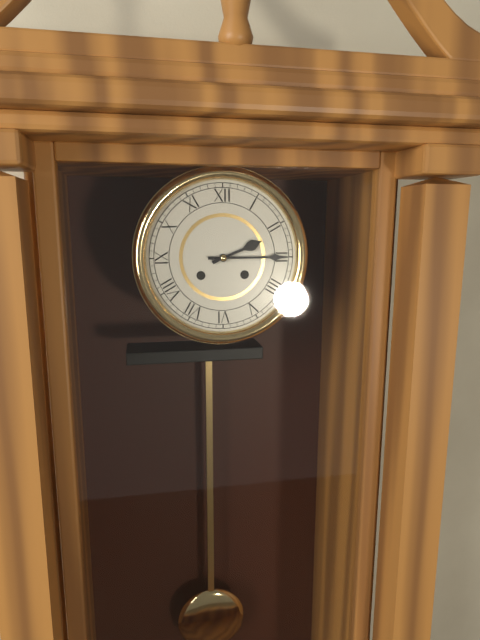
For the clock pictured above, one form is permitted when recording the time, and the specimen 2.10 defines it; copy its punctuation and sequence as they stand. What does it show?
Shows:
2.15
